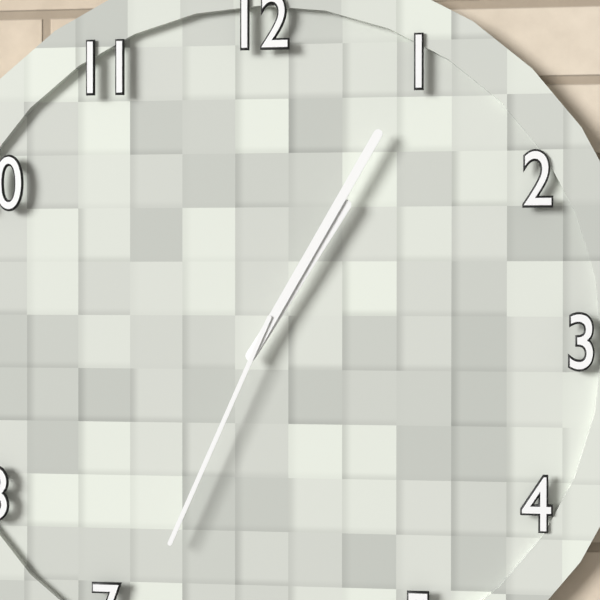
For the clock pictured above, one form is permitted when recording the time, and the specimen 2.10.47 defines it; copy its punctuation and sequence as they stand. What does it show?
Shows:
1.05.34
